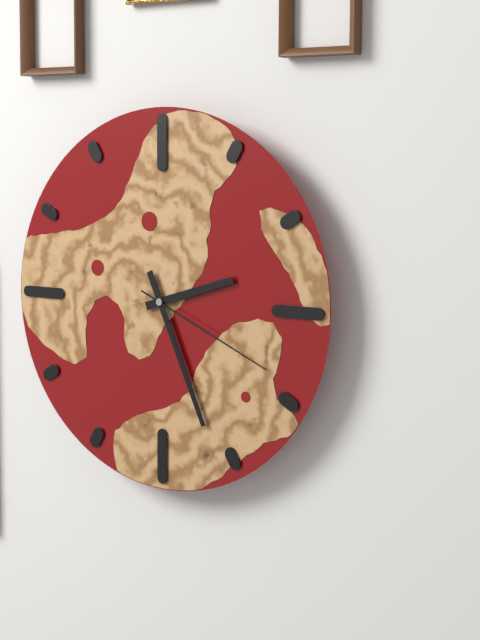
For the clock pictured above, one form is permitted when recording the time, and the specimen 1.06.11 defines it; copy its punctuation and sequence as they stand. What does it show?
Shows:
2.26.19
